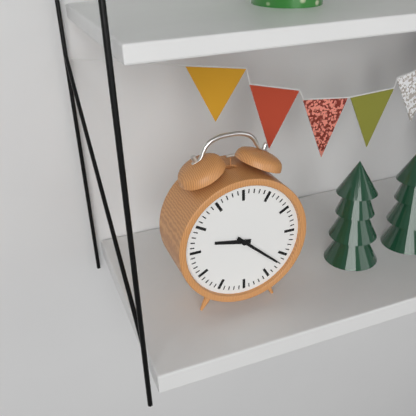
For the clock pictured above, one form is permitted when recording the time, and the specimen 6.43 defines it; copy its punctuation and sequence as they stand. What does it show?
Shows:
9.22
